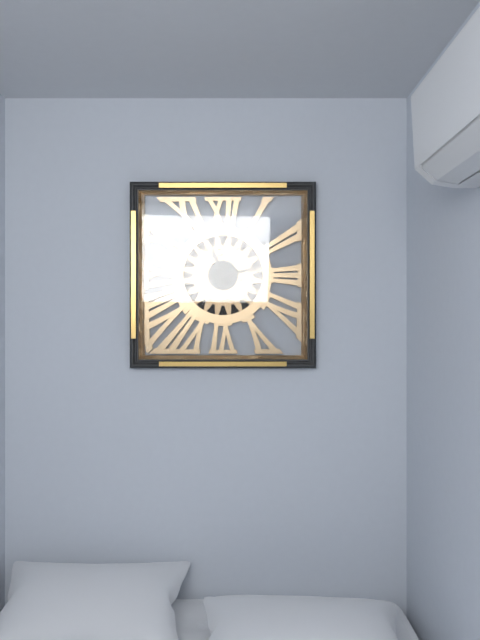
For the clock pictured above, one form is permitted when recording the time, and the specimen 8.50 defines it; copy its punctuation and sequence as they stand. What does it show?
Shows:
11.13
